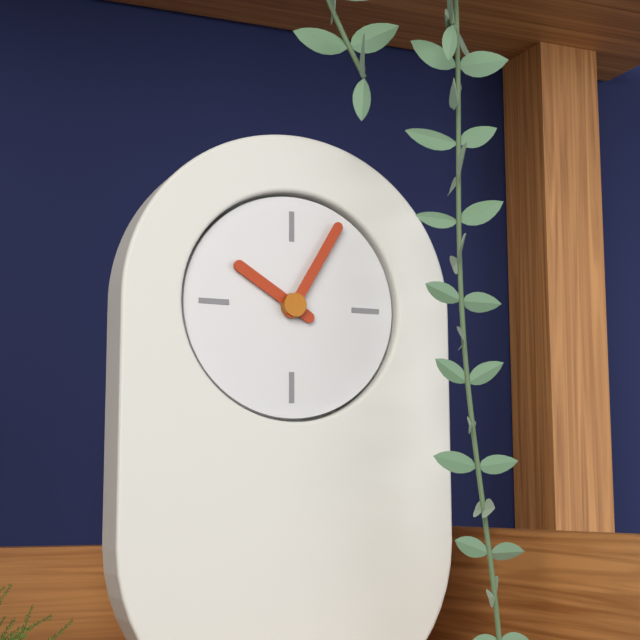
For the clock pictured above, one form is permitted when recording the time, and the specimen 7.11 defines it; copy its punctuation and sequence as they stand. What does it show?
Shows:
10.05
